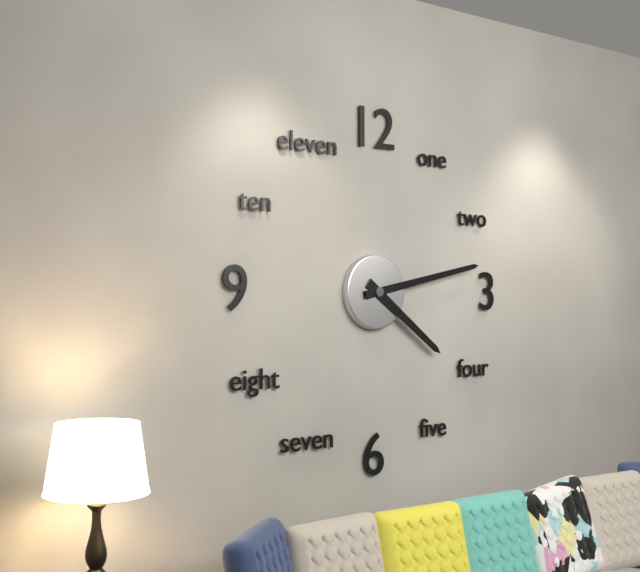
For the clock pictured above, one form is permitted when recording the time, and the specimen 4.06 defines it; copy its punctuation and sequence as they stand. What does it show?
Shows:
4.13
